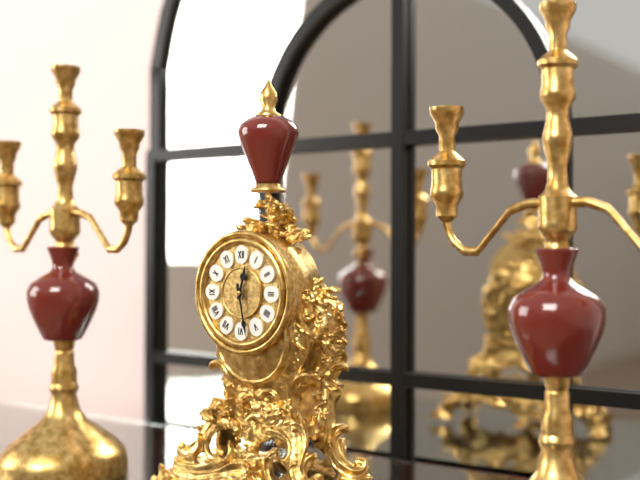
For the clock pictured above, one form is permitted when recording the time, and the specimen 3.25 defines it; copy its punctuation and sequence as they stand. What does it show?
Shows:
12.28
